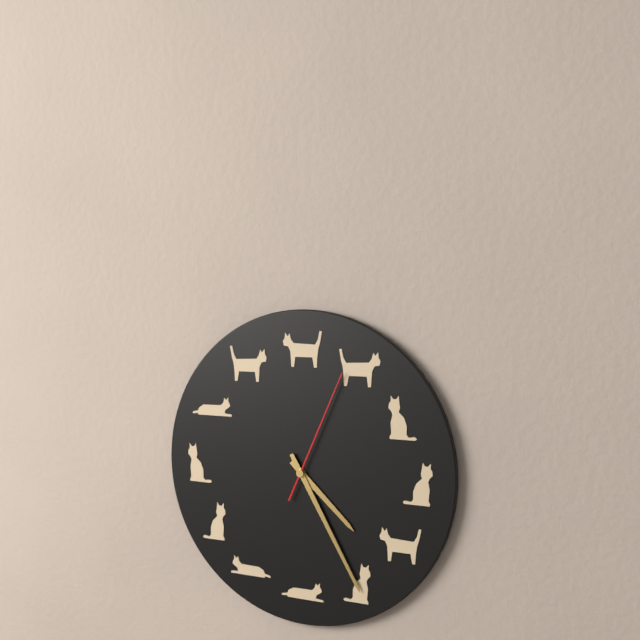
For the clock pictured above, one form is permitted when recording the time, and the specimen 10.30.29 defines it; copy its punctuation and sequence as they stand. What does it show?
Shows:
4.25.04
